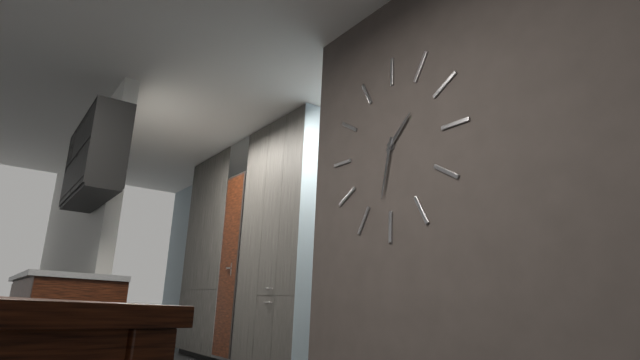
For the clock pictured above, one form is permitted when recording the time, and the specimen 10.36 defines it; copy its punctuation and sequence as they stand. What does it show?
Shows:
1.32
